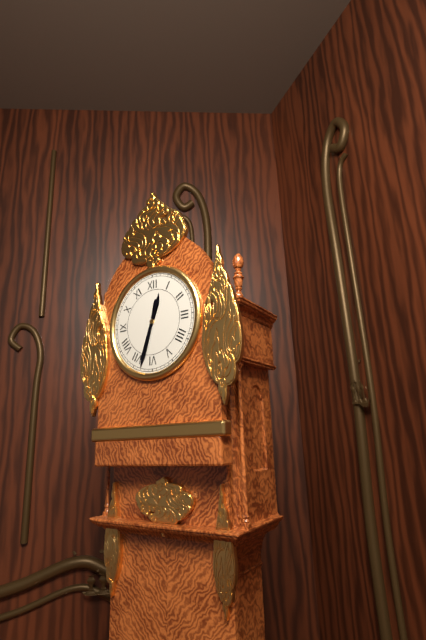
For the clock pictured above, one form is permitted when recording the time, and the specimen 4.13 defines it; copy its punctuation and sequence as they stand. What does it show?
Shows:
12.33
